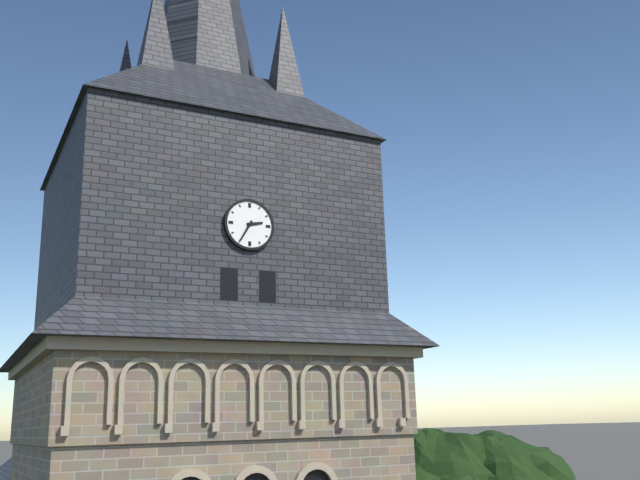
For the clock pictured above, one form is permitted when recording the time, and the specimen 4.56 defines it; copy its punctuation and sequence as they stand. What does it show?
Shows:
2.35
